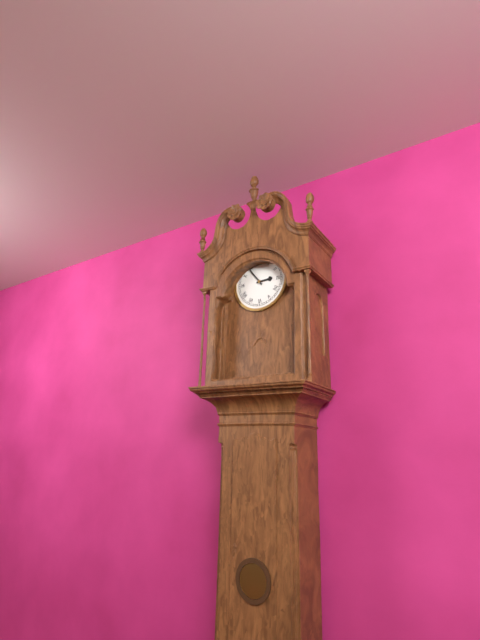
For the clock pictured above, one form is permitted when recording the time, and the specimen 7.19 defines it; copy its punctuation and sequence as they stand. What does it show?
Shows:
2.54
